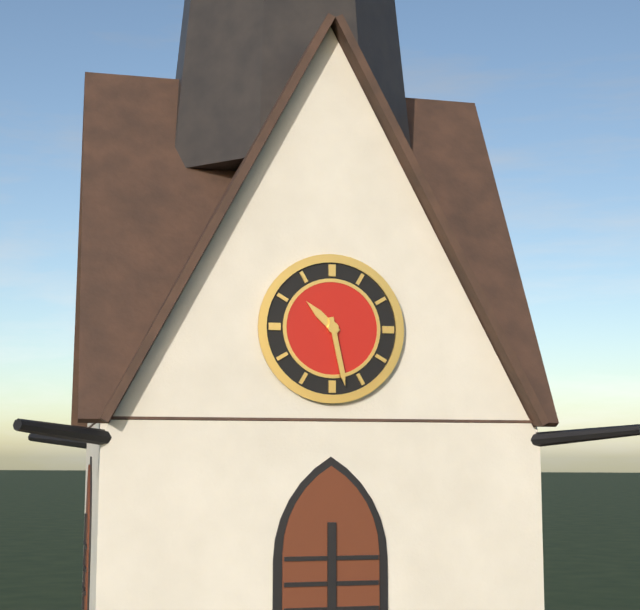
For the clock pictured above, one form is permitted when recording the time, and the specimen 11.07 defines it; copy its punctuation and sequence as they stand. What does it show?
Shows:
10.28
